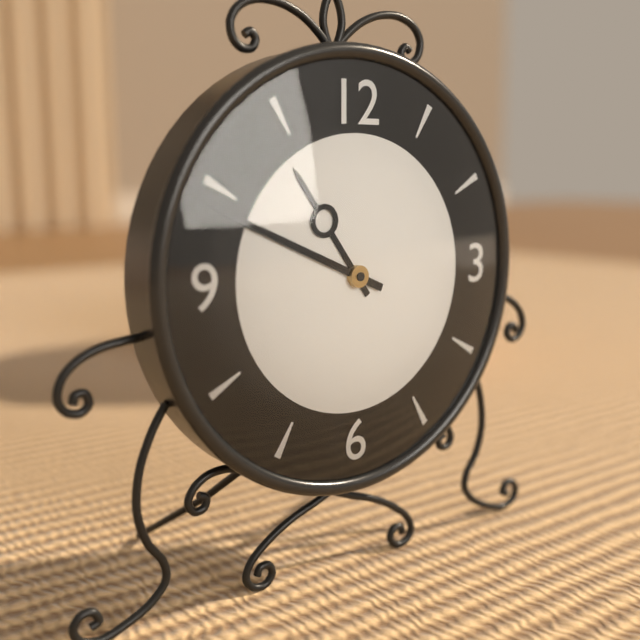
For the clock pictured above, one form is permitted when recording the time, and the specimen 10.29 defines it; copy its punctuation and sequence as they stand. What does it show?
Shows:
10.49
